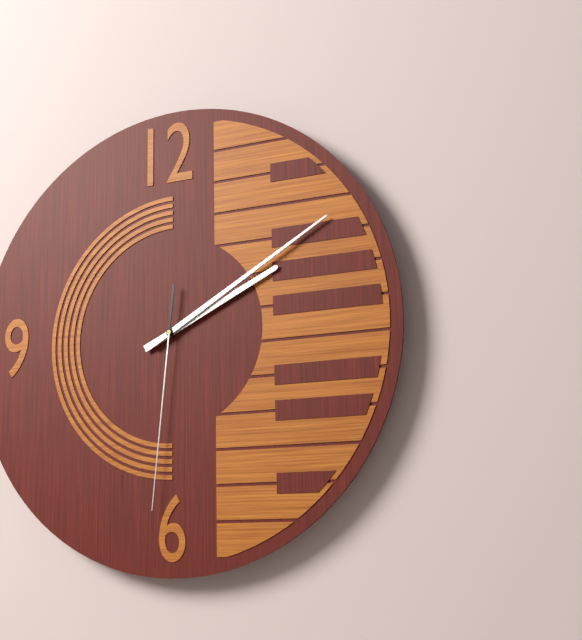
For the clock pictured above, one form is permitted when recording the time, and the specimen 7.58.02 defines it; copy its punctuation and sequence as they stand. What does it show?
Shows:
2.10.31
